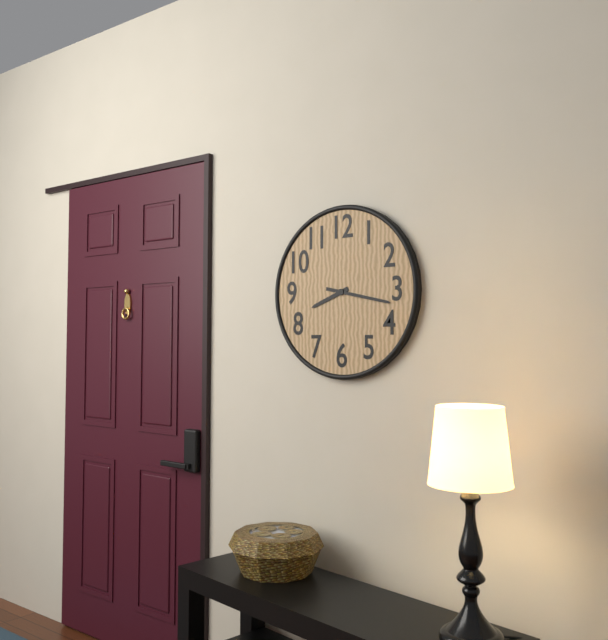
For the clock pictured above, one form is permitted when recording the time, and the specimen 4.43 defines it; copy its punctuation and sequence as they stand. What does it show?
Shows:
8.17
